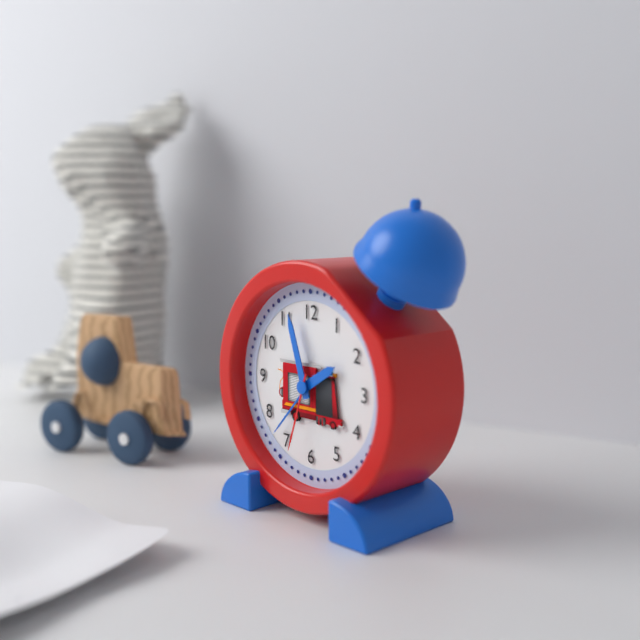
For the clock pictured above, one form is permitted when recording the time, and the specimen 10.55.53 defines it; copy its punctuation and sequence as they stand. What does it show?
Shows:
1.57.33
